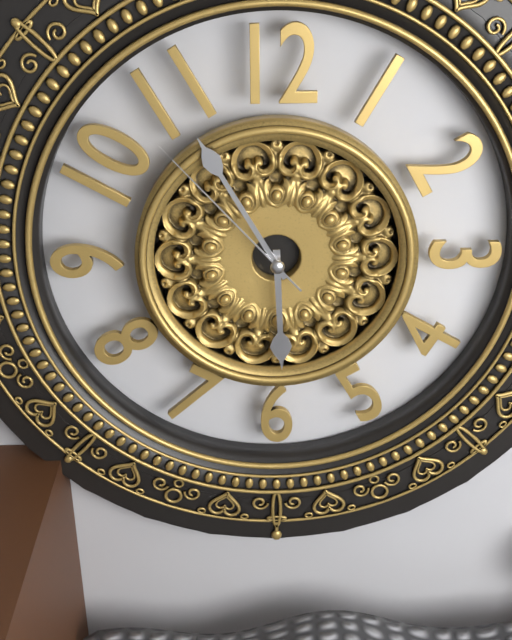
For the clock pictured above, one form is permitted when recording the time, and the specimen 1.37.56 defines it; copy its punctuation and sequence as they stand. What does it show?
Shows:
5.55.53
